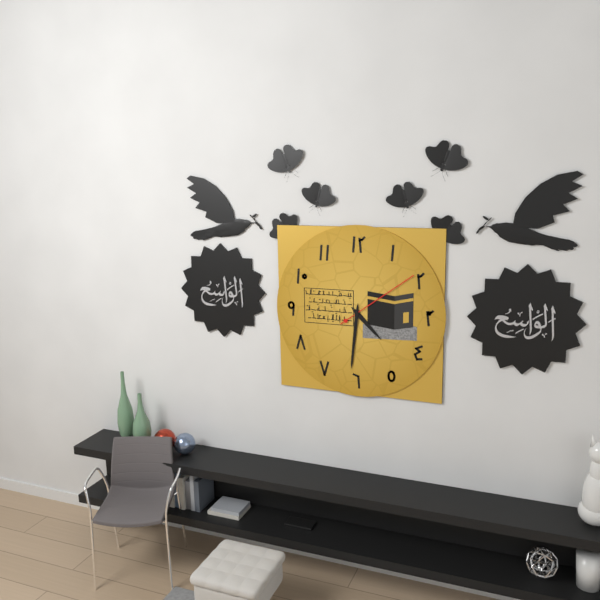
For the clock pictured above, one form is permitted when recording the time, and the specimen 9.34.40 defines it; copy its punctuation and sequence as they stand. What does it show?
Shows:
4.31.09
